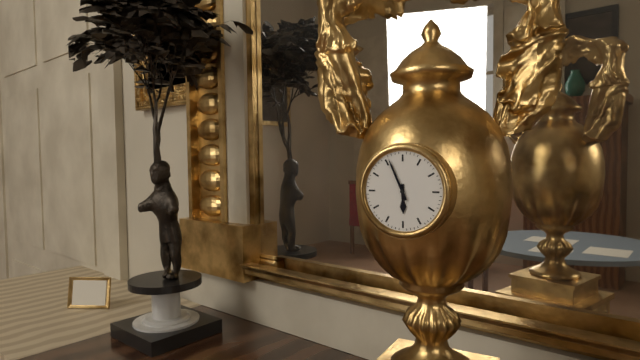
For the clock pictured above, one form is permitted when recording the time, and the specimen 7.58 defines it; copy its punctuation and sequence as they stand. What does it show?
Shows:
5.56
